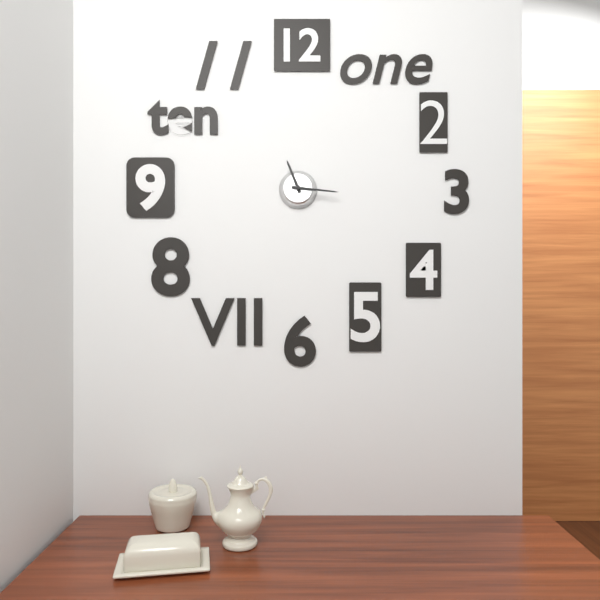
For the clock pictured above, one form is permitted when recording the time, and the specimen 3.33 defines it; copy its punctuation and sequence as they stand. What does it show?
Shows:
11.16
